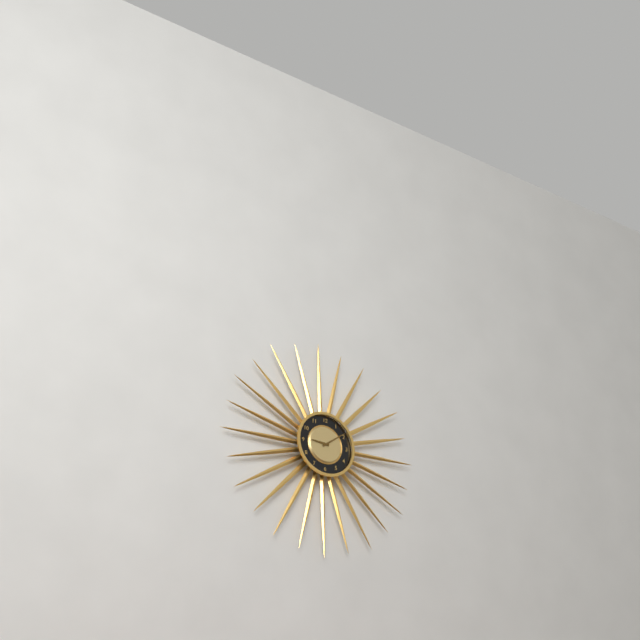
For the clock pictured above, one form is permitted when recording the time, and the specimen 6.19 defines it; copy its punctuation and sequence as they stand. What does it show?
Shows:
9.09
